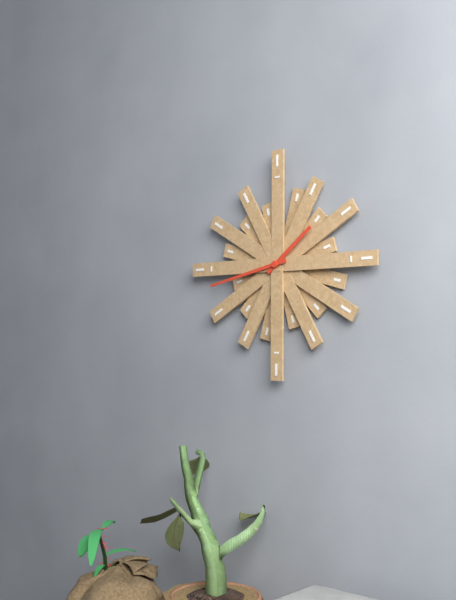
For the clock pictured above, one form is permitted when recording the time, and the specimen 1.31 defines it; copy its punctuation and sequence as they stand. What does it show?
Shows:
1.43
